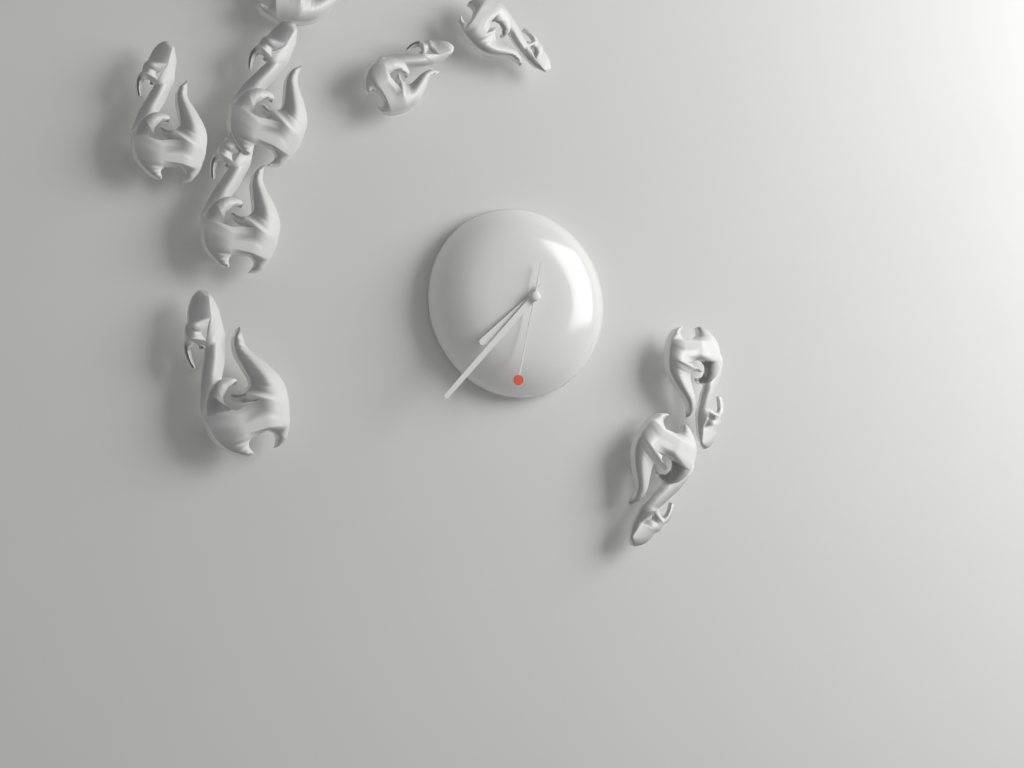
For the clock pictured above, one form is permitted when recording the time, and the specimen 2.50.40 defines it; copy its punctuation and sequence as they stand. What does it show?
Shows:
7.37.32
